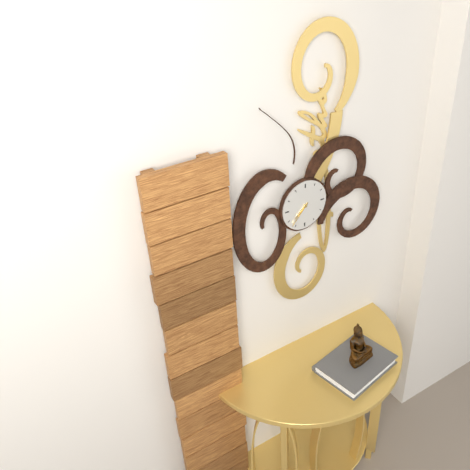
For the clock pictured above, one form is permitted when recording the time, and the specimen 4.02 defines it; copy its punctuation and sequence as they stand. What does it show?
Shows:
7.37
